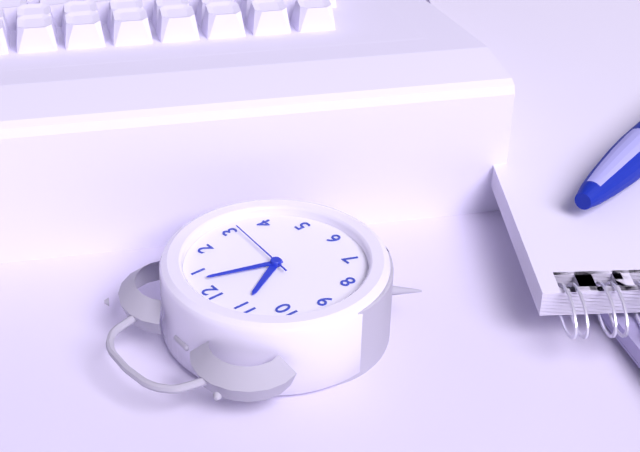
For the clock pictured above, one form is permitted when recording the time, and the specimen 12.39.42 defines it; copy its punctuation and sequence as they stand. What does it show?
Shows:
11.03.16
